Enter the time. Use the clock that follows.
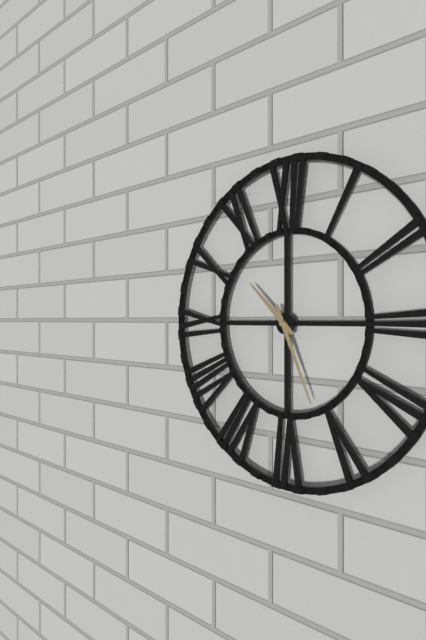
10:26
